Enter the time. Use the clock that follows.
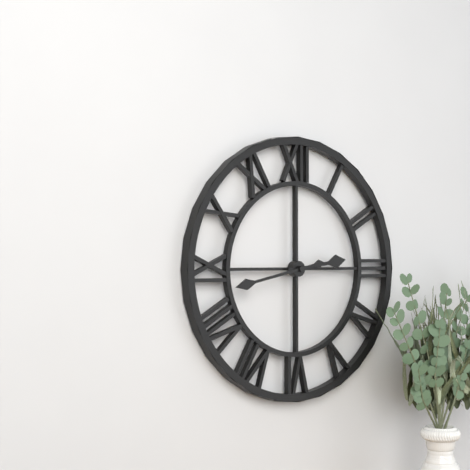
2:43
